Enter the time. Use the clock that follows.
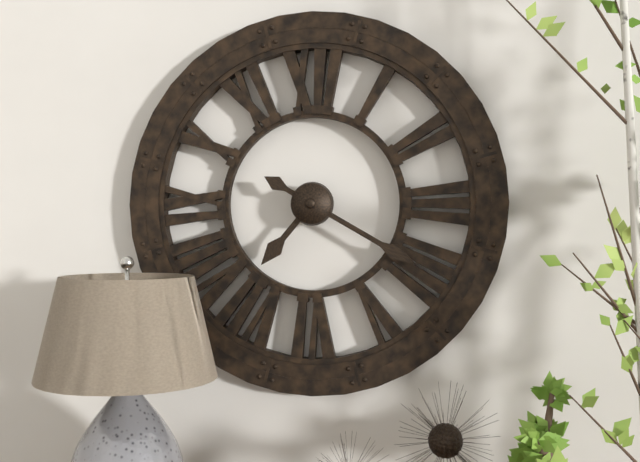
7:20
